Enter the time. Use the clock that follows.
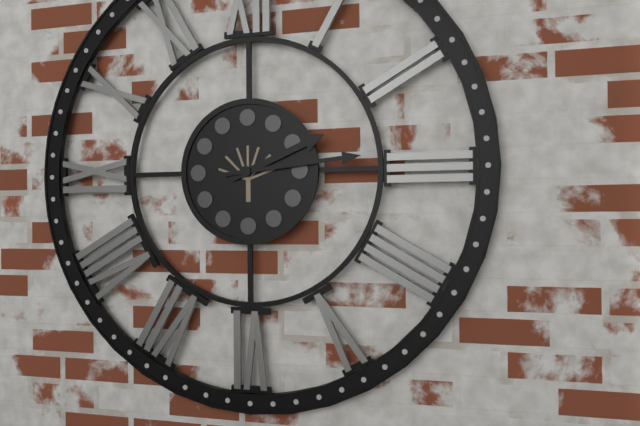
2:14
